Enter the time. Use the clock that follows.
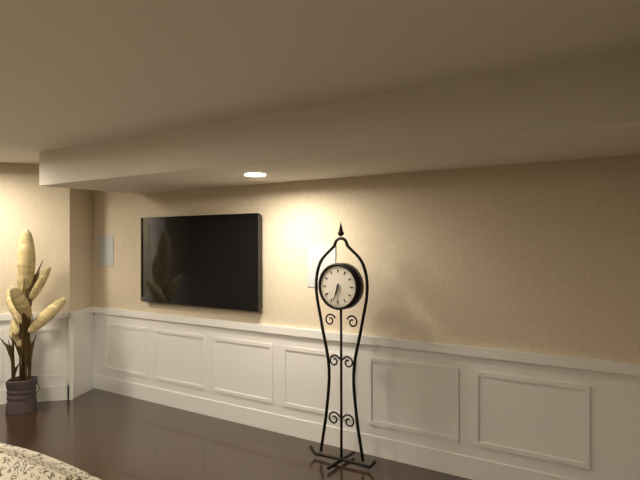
6:33
